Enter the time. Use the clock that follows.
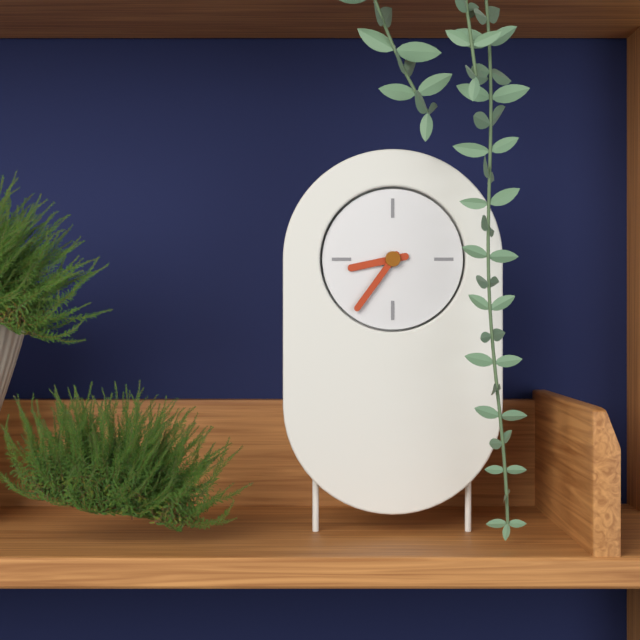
8:36
